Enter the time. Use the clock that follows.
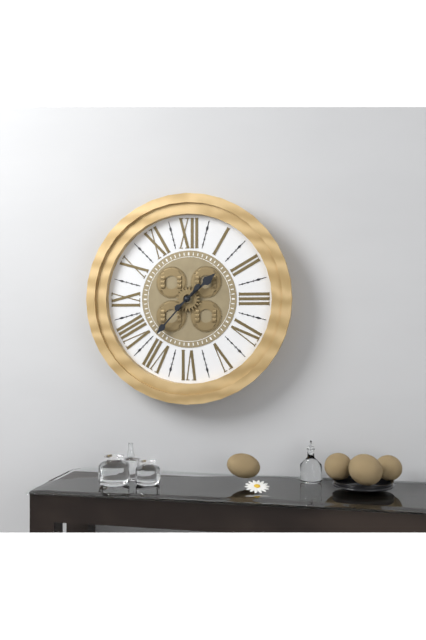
1:37
